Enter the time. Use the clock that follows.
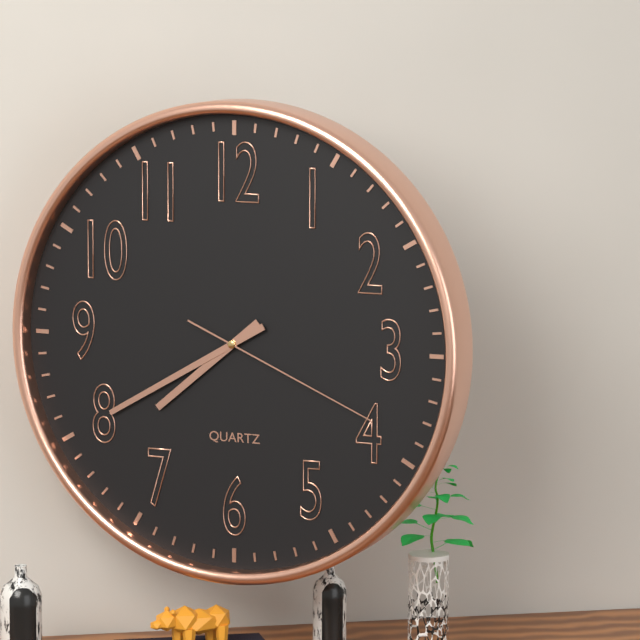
7:40:19
